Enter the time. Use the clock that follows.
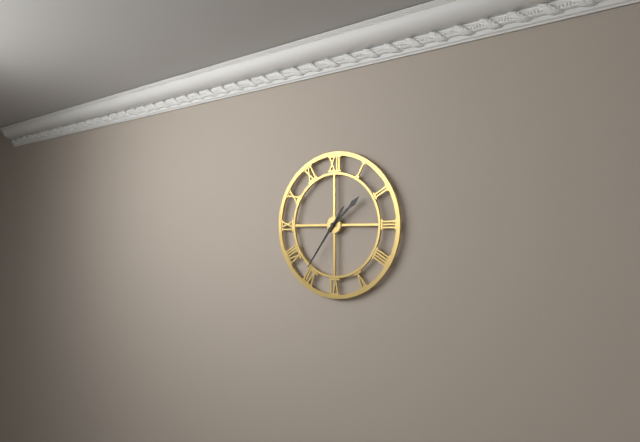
1:36
